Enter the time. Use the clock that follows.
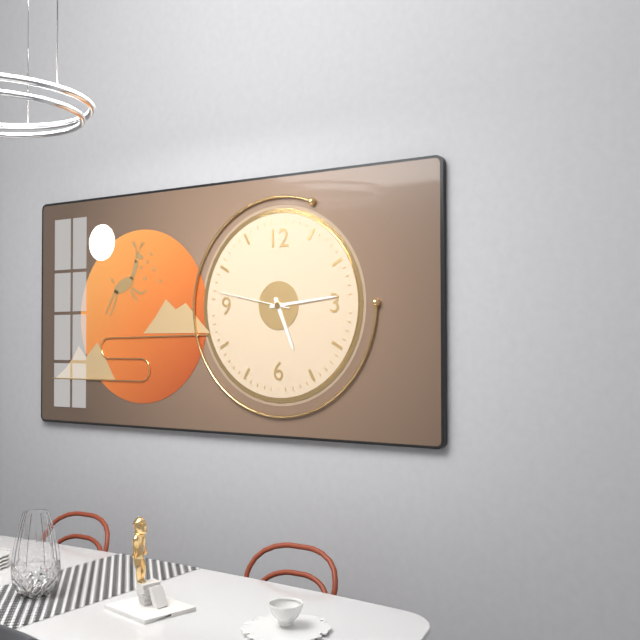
5:14:47
